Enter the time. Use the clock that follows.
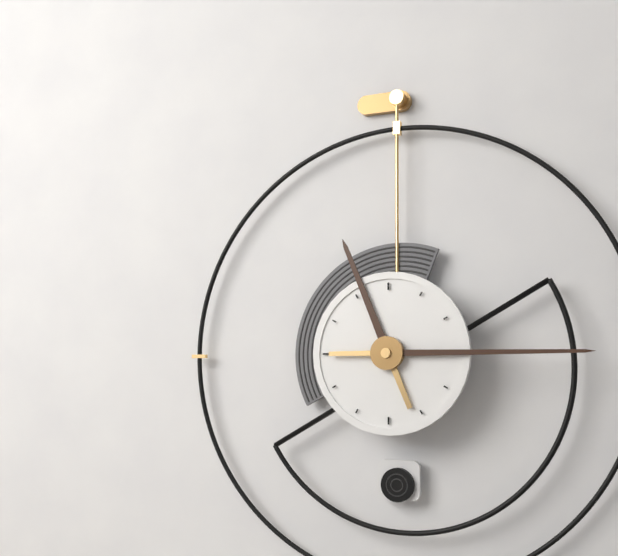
11:15
